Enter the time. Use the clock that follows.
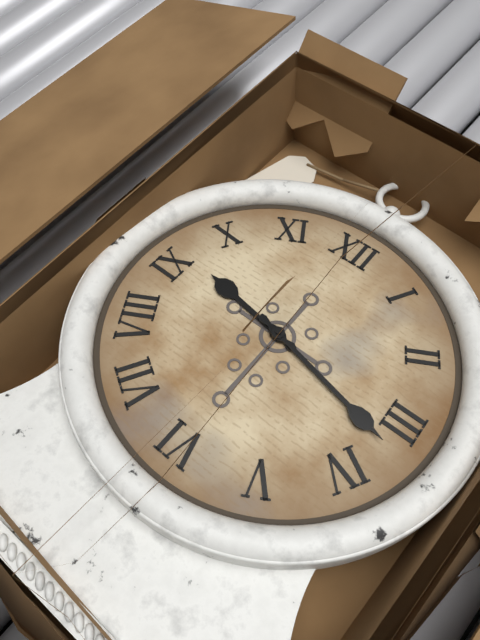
9:17
